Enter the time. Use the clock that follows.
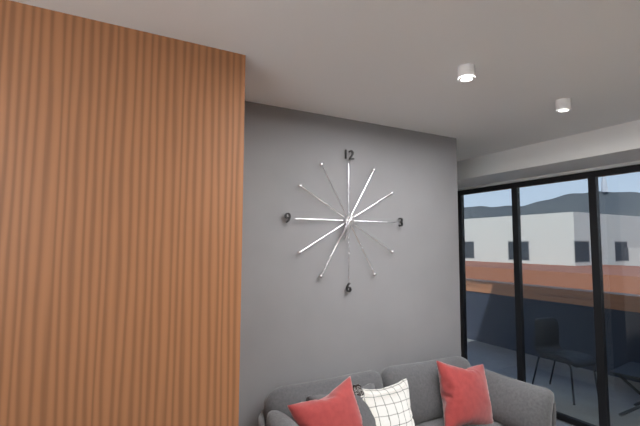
6:36
